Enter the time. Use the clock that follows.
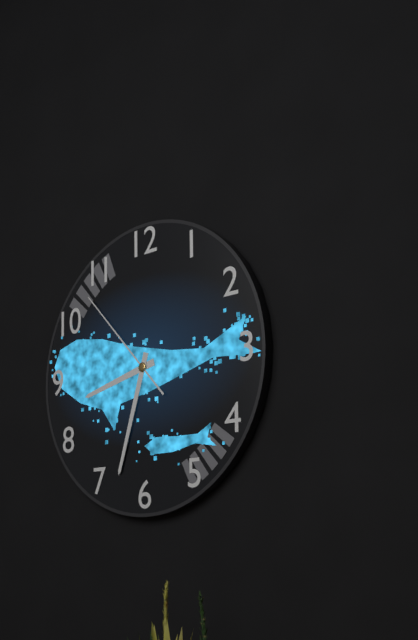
8:33:53
